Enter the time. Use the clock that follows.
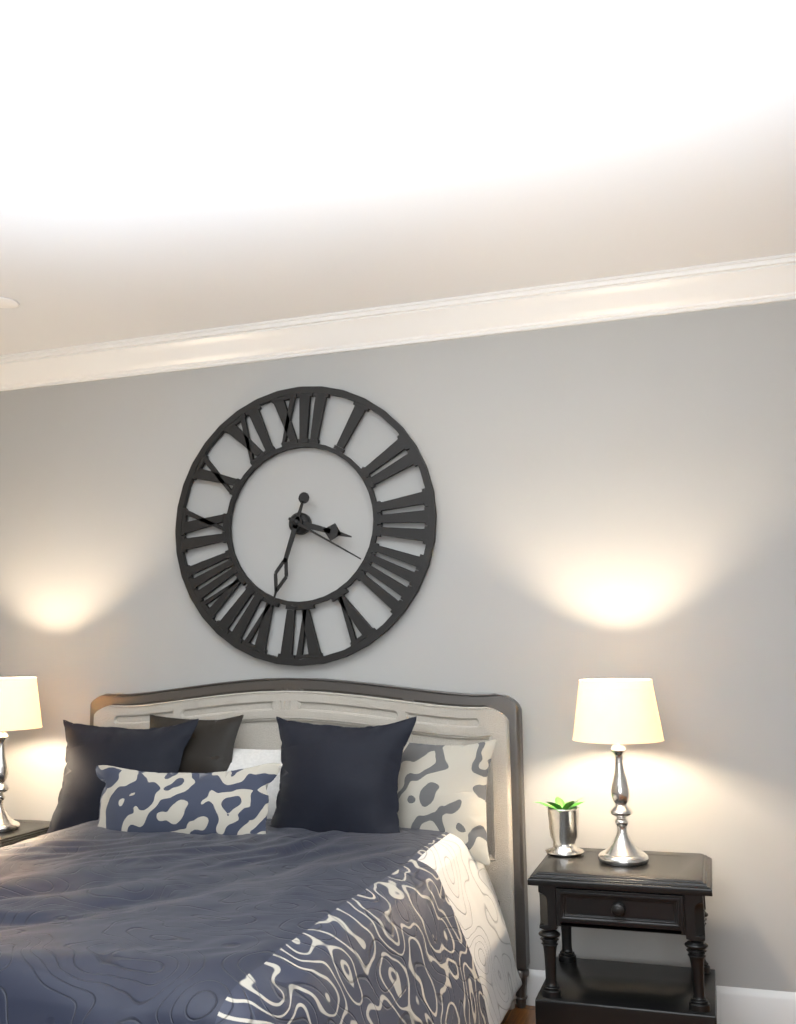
3:33:20
